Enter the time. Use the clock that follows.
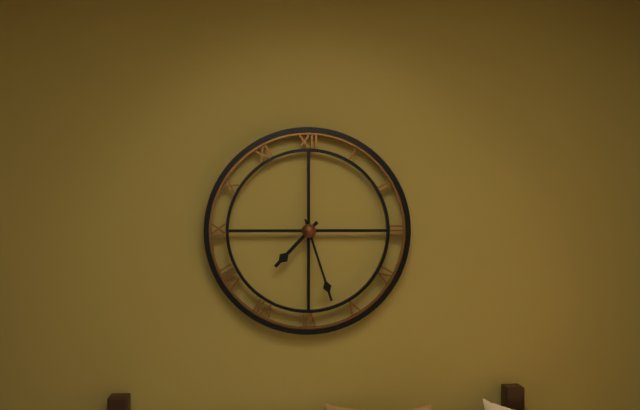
7:27
